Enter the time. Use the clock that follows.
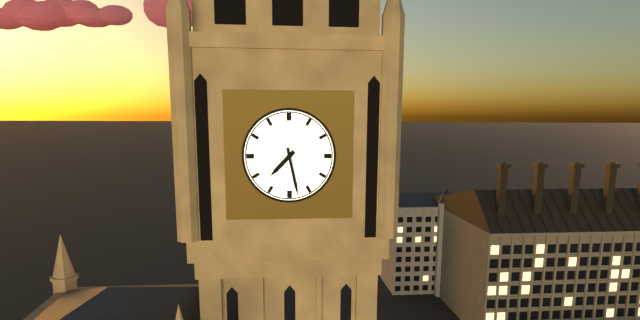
7:28
